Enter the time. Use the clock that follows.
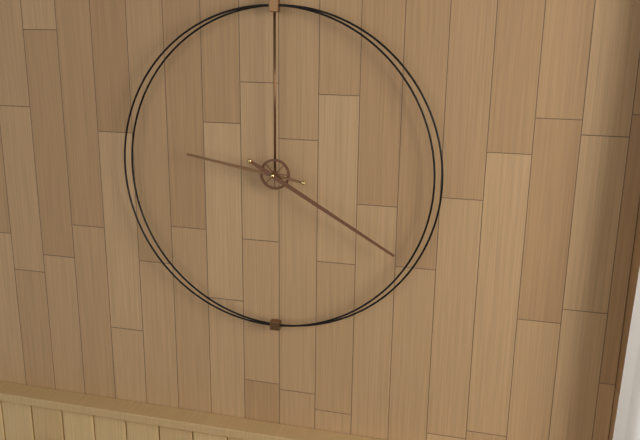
9:20
